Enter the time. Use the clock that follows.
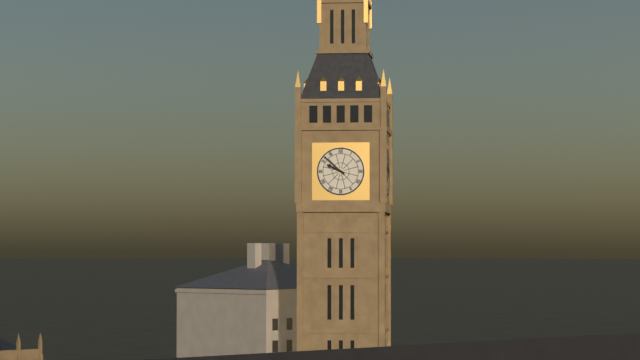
9:52
